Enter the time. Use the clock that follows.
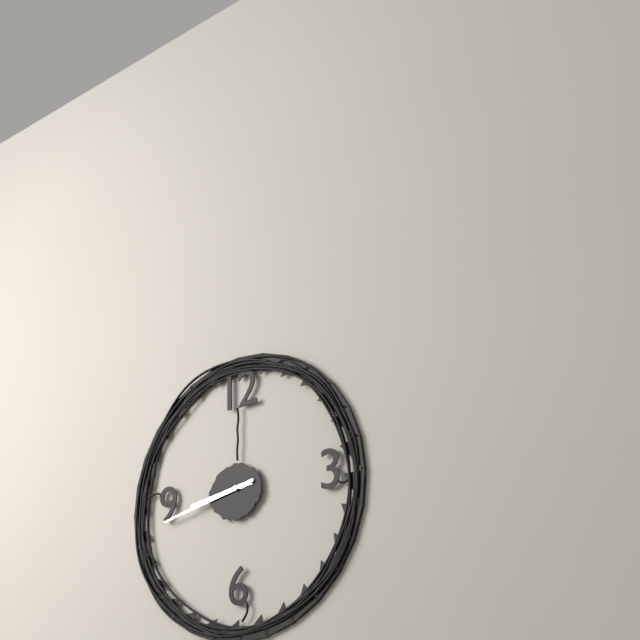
8:43
